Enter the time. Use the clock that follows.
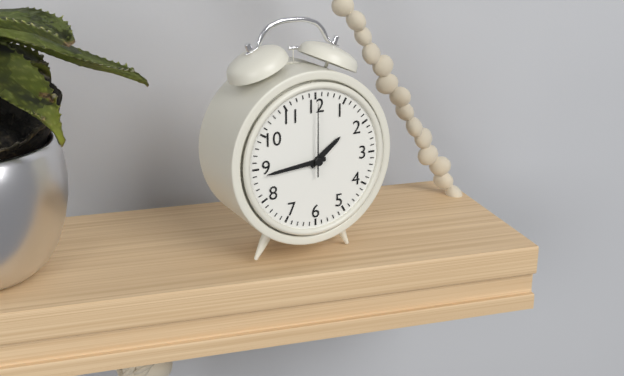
1:44:00
